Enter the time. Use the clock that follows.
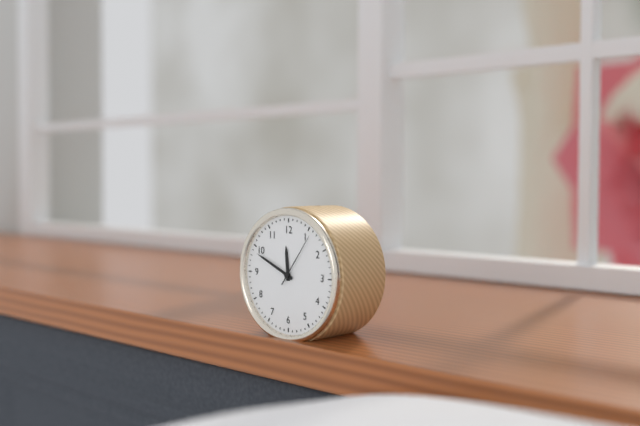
11:49:06
